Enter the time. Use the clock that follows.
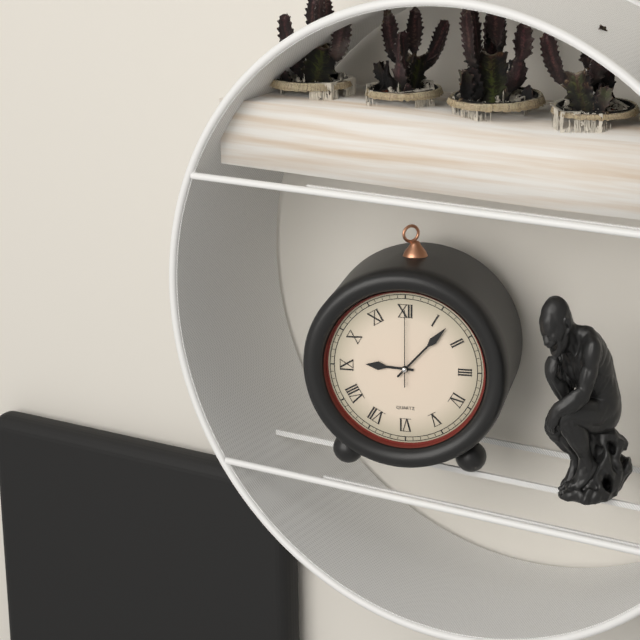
9:07:00
